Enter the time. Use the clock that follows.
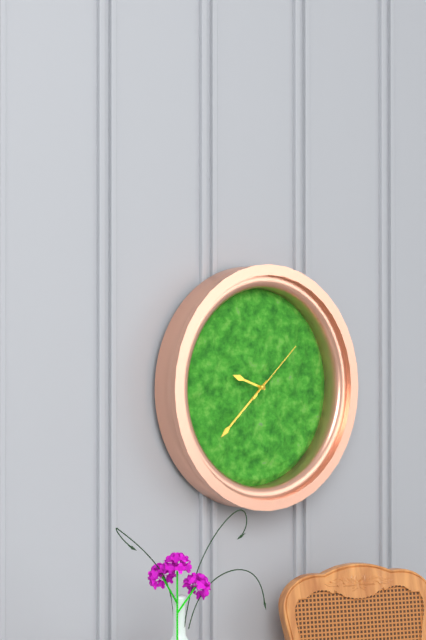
9:38:08
